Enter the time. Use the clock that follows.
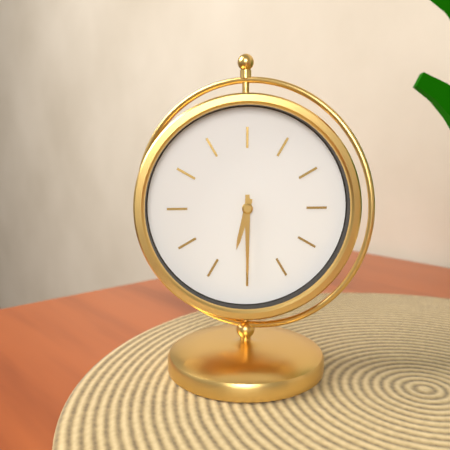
6:30
